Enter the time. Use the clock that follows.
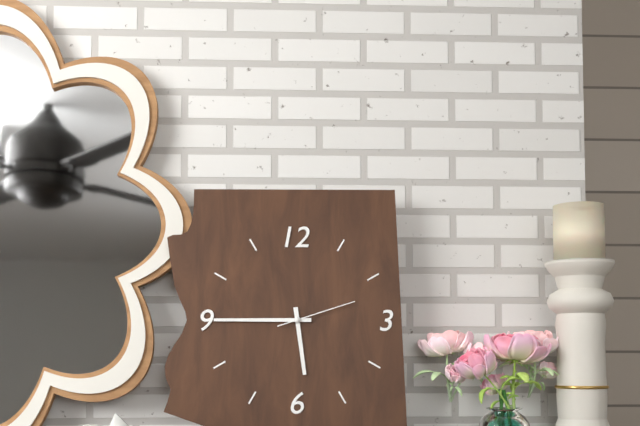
5:45:12
